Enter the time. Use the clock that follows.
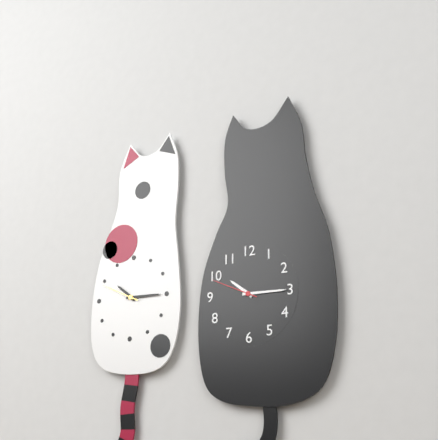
10:15:49
